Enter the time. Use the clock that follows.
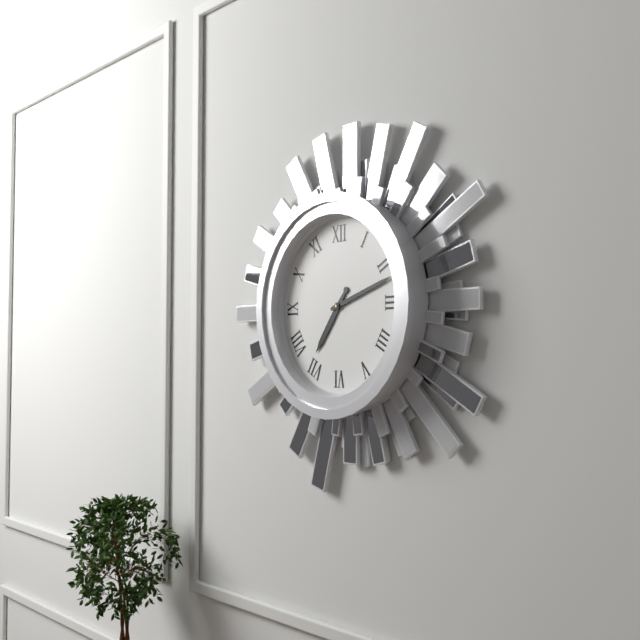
7:12
